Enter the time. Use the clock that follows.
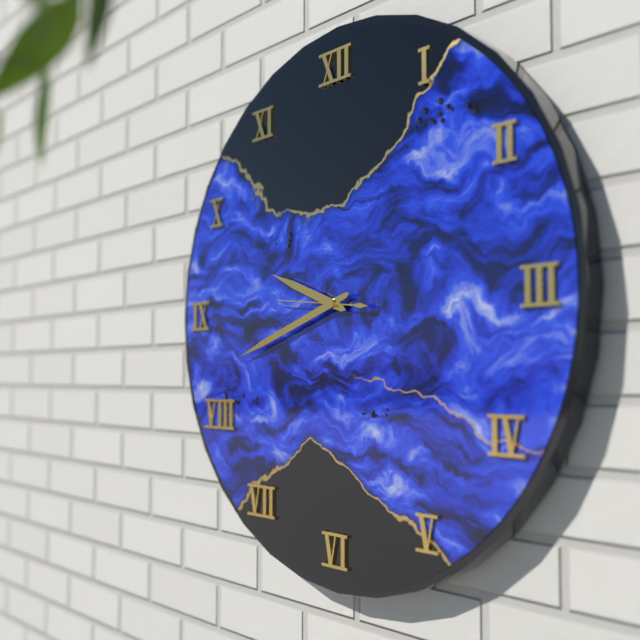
9:42:46
